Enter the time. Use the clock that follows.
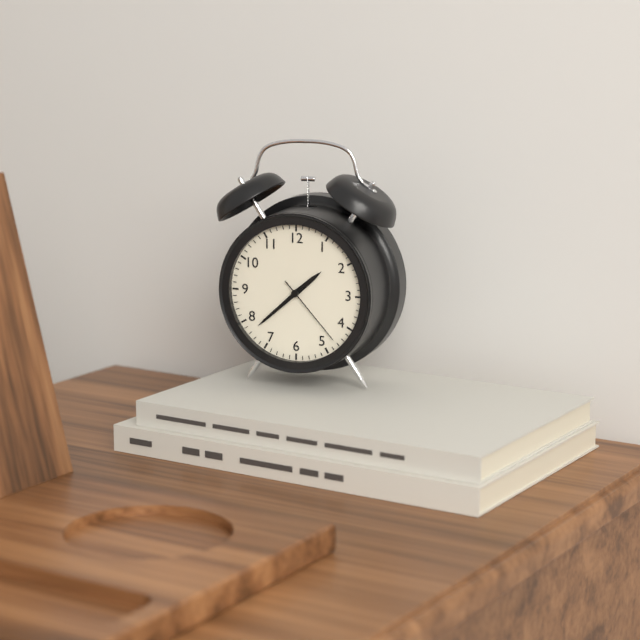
1:38:23
